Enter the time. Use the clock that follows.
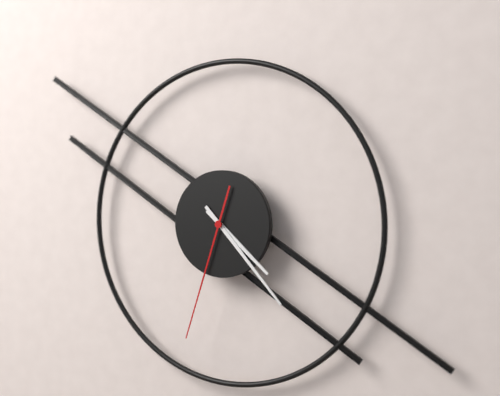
4:23:33
